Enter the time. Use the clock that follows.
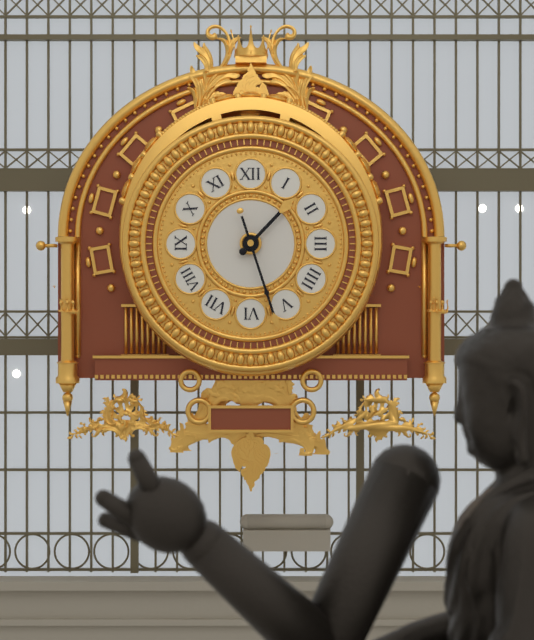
1:27
